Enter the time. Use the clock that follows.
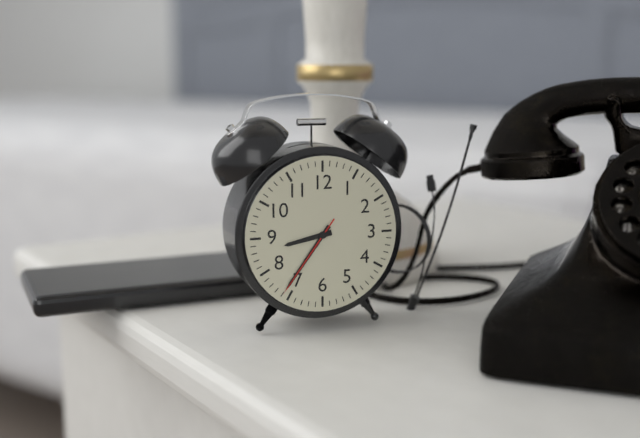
8:36:36
